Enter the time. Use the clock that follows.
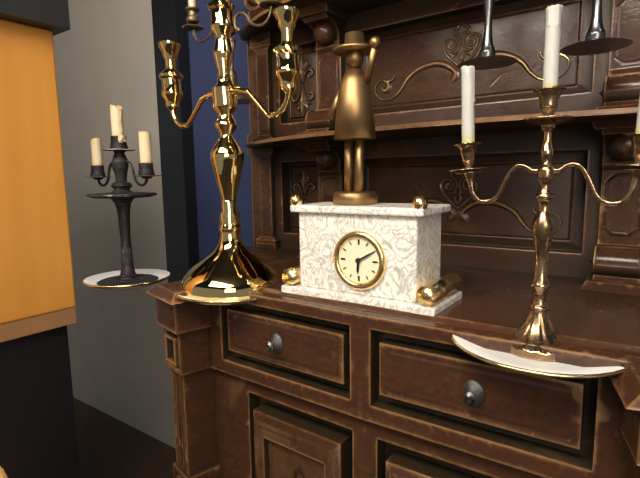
6:10
